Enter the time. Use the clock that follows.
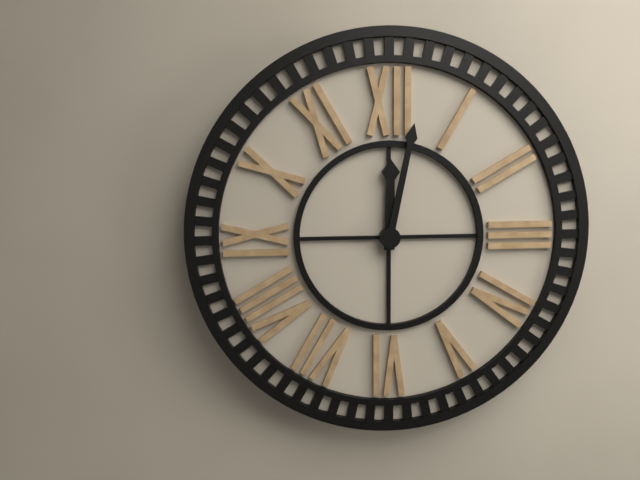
12:02
